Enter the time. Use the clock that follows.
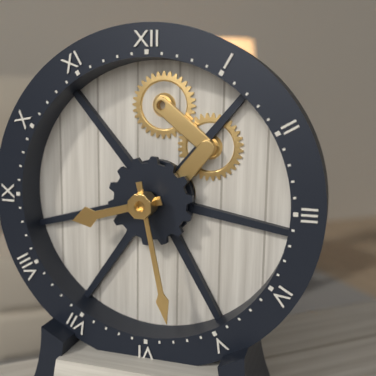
8:28
